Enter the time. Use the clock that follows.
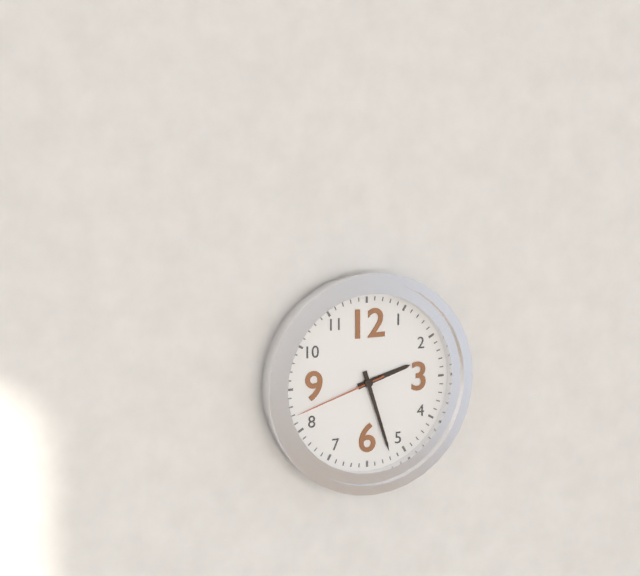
2:27:42
